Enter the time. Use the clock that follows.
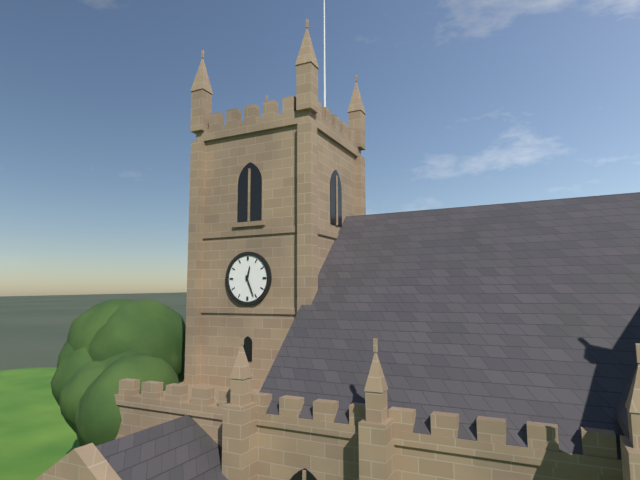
12:26
